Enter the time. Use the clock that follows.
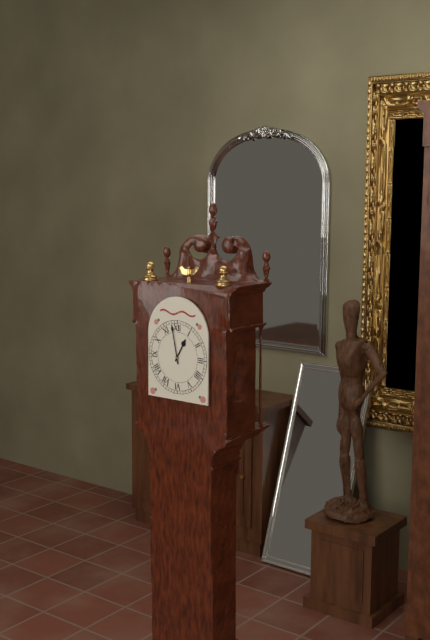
12:58
